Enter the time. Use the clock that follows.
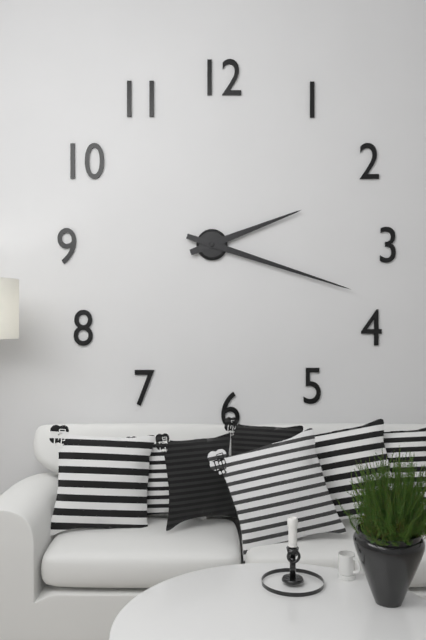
2:18
